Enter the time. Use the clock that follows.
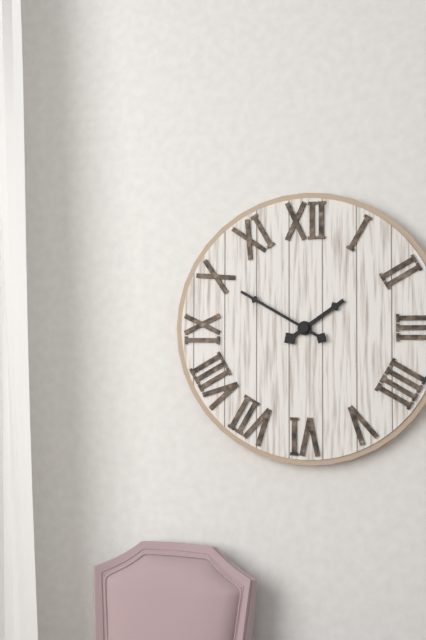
1:50
